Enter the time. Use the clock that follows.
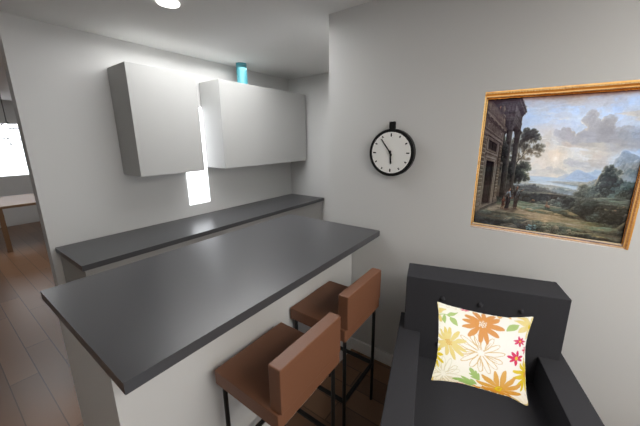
5:54
